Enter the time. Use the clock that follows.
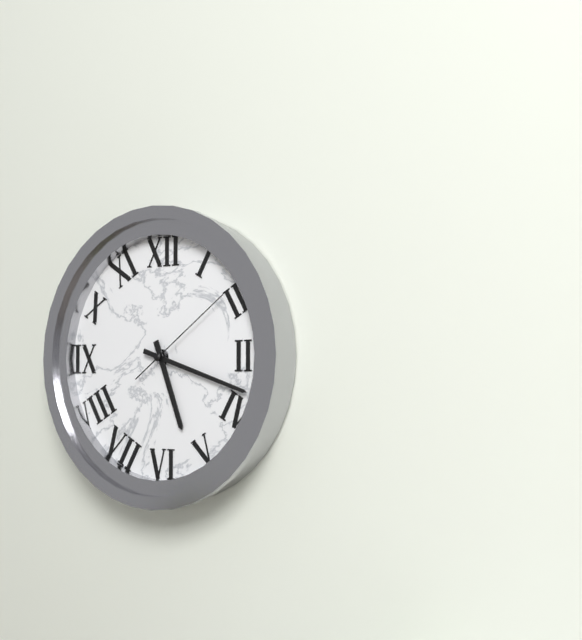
5:18:09
